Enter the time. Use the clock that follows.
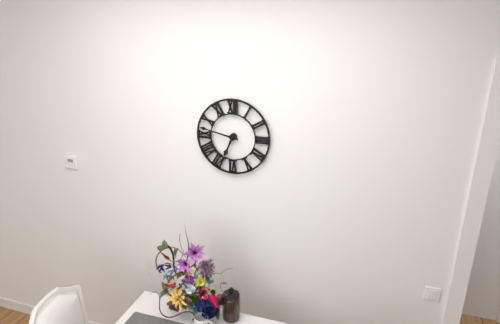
6:47
